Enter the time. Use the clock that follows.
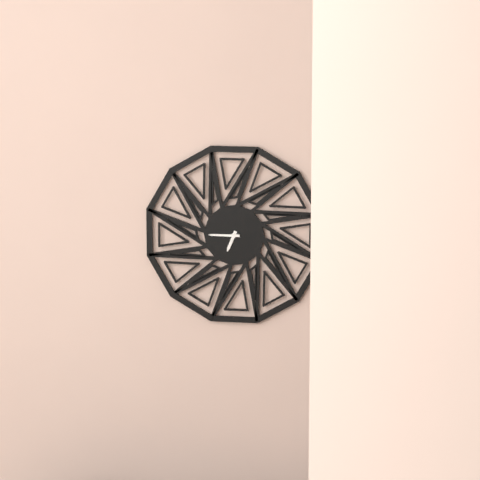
6:45
